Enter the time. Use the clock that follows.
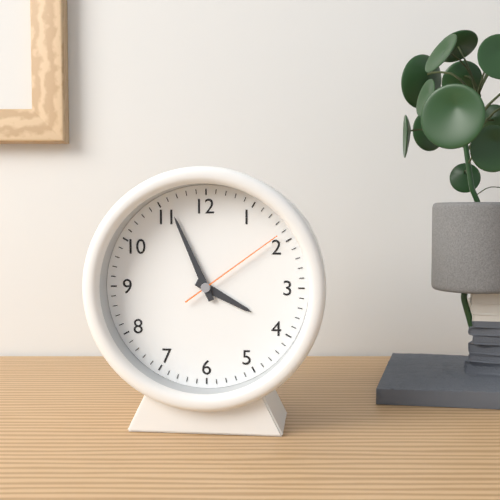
3:56:09
